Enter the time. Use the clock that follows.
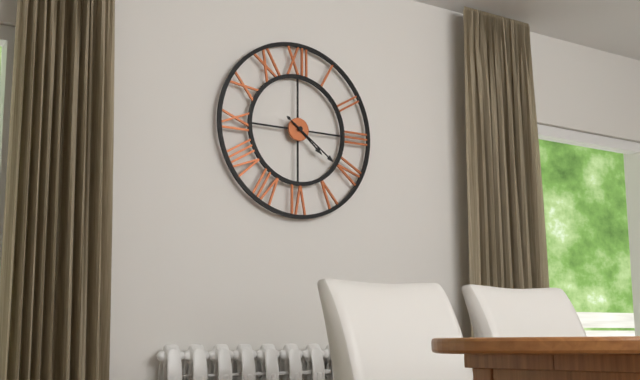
4:21
